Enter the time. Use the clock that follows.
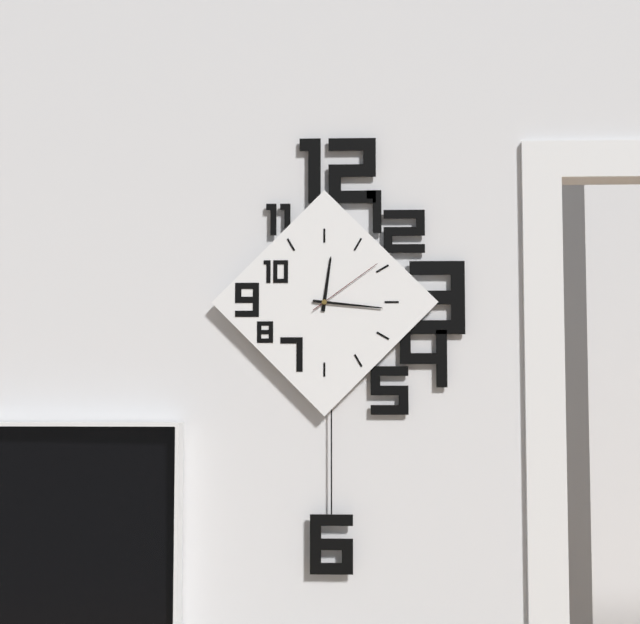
12:16:09
